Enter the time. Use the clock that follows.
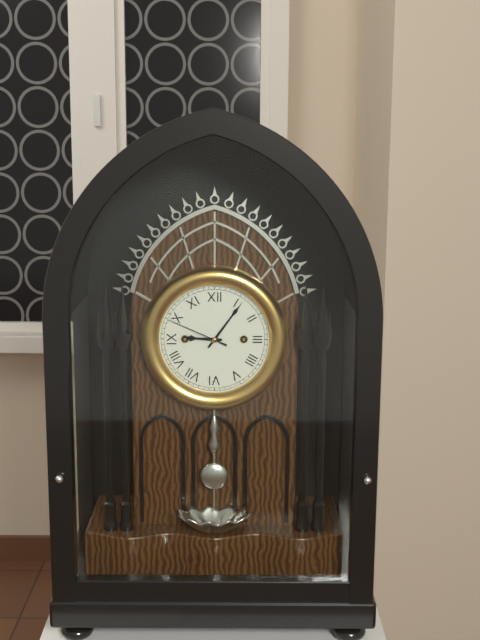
9:06:49
